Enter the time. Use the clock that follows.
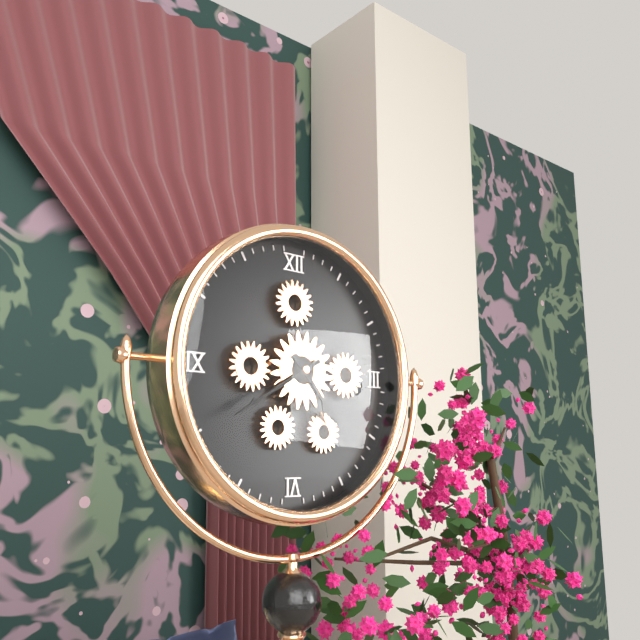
4:40
